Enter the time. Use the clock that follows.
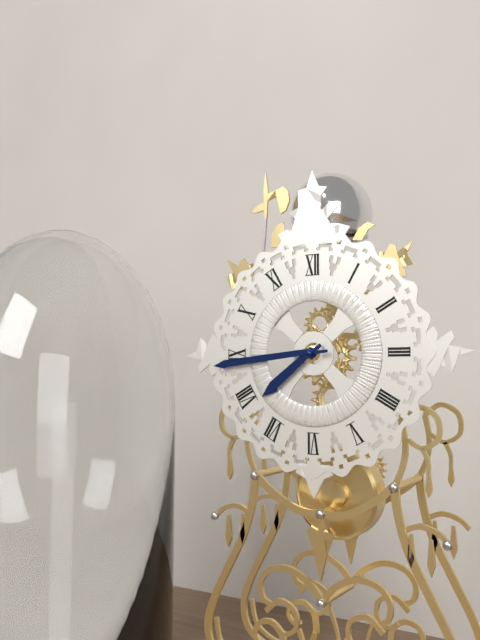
7:44
